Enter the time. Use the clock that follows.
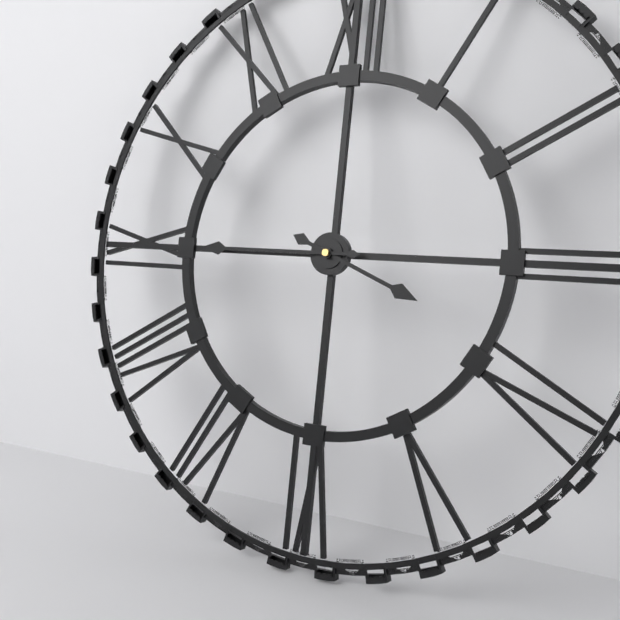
3:45
